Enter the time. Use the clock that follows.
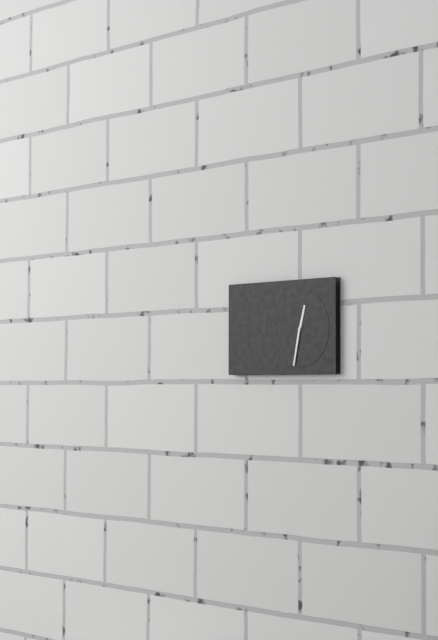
12:32
